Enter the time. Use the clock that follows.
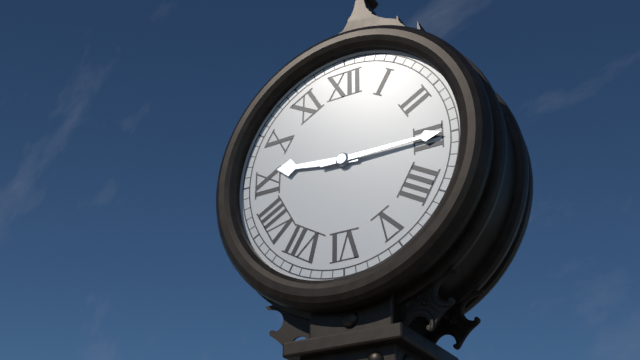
9:15
